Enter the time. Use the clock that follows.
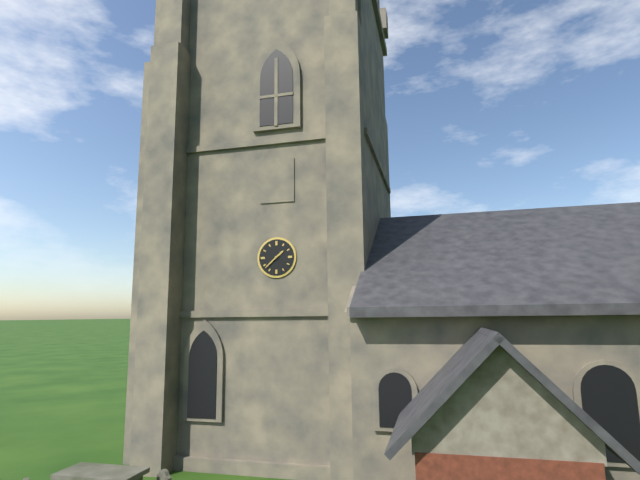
1:38
